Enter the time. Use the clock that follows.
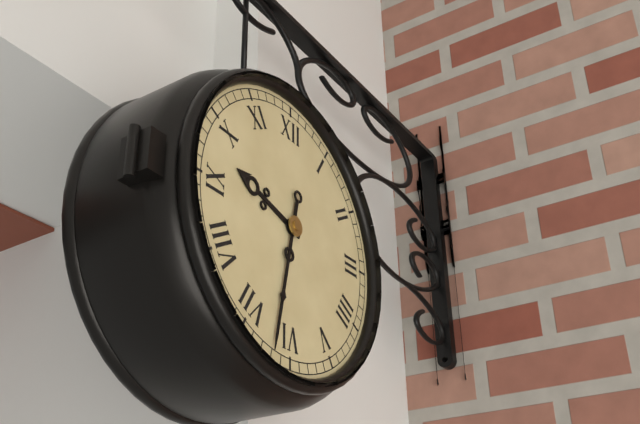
9:32
